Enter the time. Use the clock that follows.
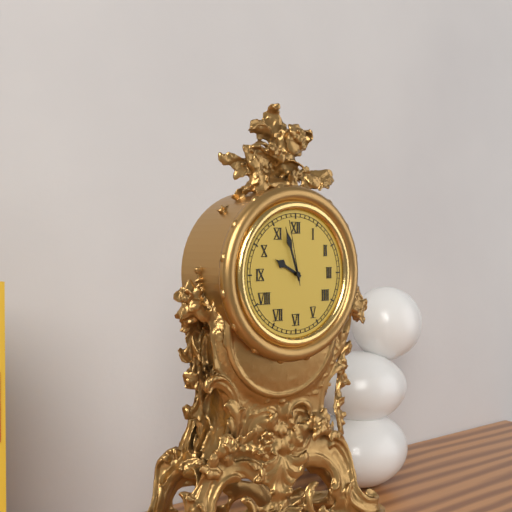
9:57:58
